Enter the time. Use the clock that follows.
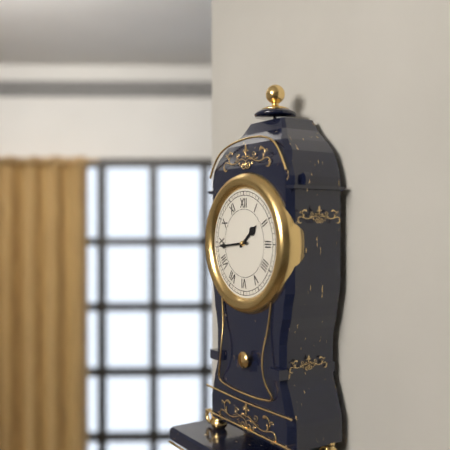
1:44
